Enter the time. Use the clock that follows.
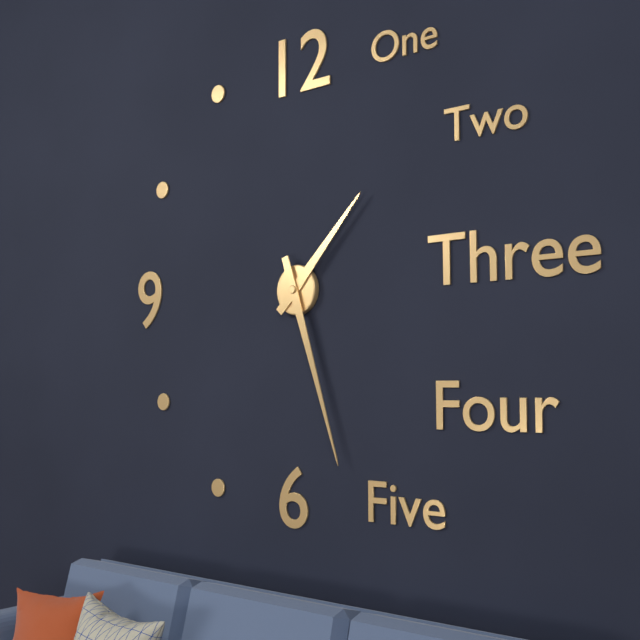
1:27
